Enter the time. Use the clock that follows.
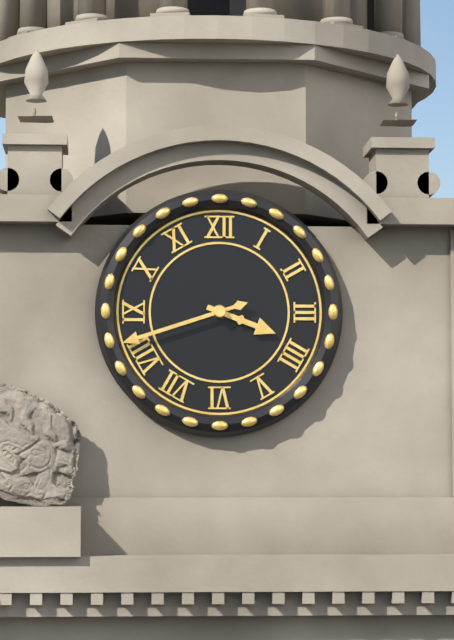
3:42
